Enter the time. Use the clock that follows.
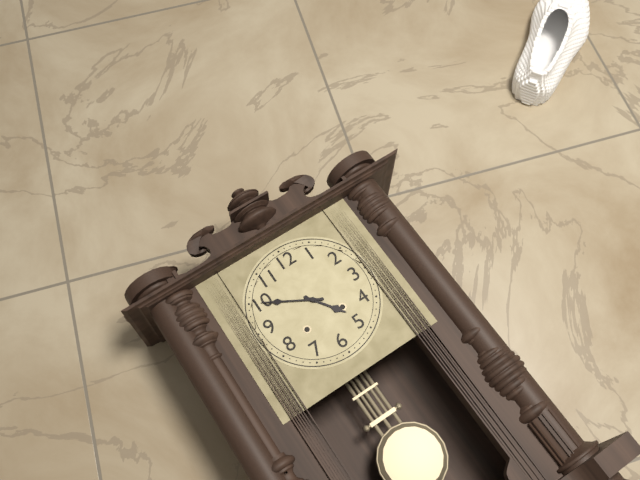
4:50
